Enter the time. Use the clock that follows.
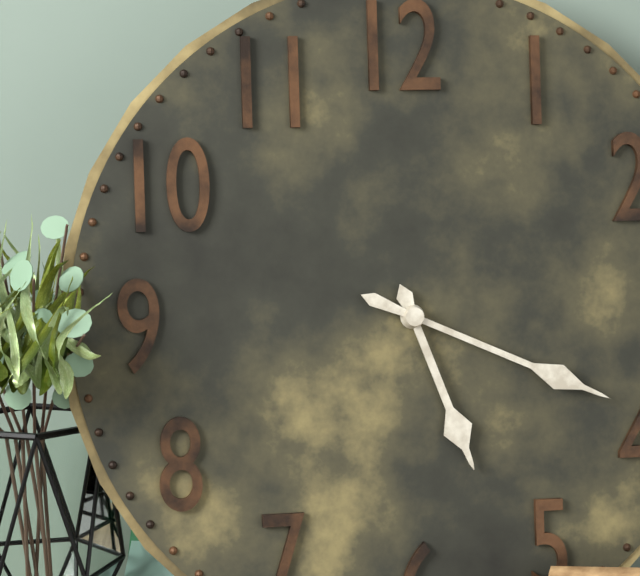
5:19
